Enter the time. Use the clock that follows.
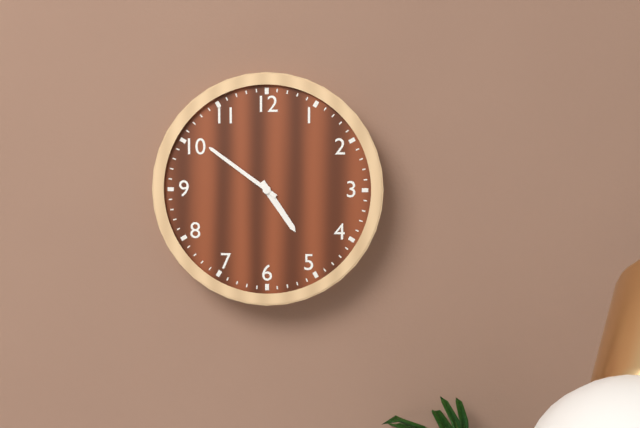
4:51
